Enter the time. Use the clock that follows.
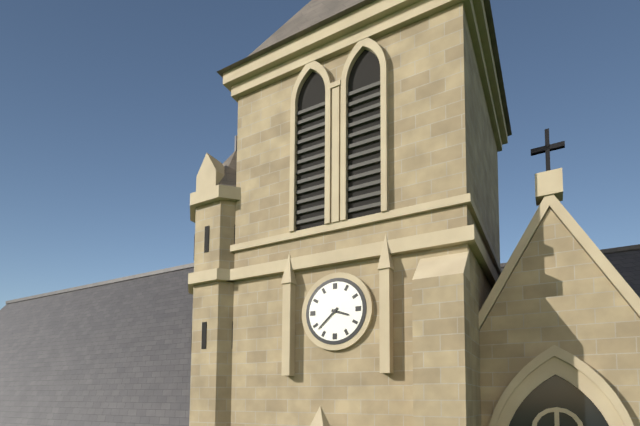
3:38
